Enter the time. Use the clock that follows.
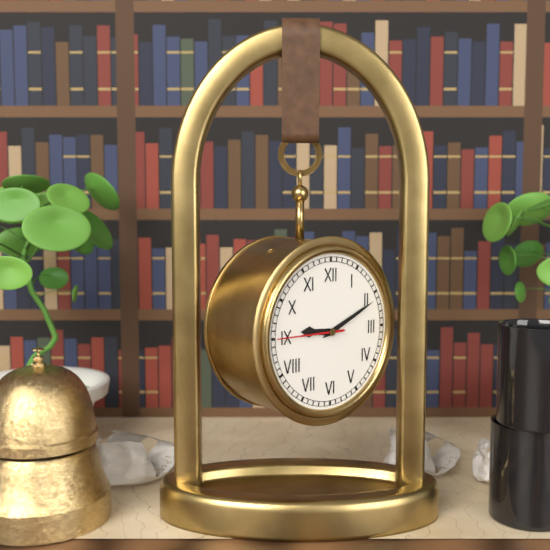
9:11:45
